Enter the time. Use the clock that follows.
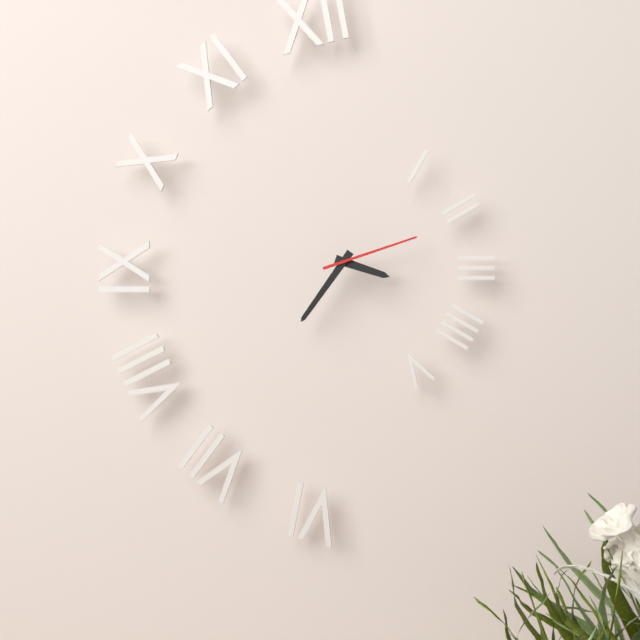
3:36:12
